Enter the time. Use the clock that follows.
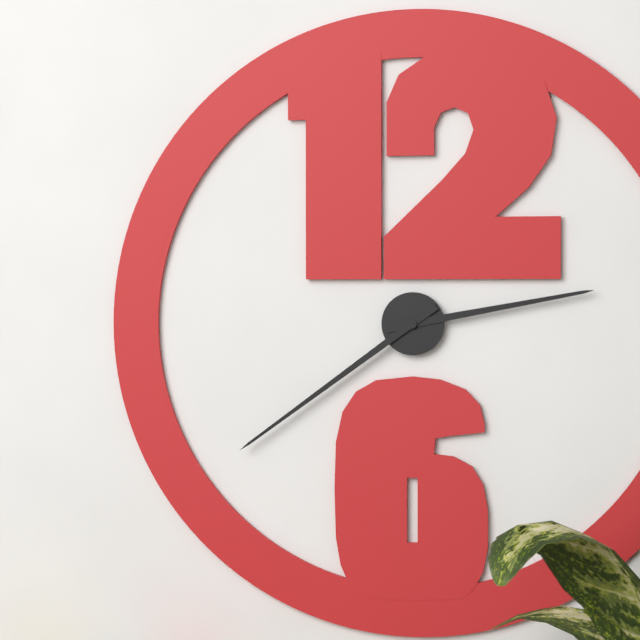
2:39
